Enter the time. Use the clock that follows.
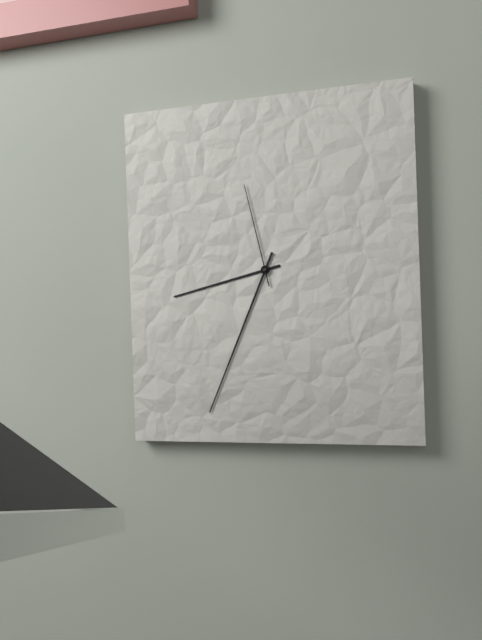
8:34:58
